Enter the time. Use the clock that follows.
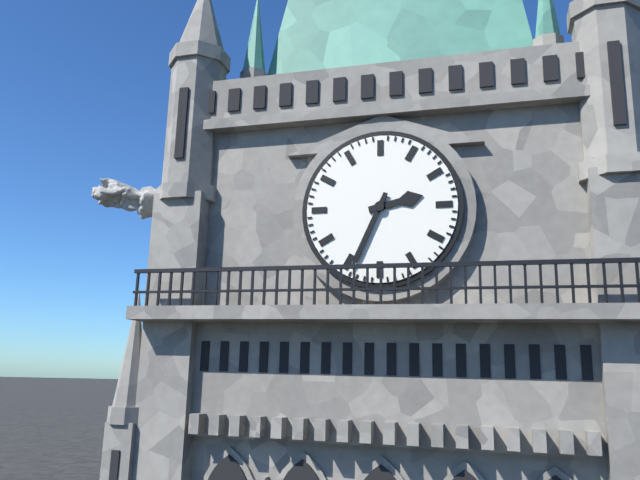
2:34
